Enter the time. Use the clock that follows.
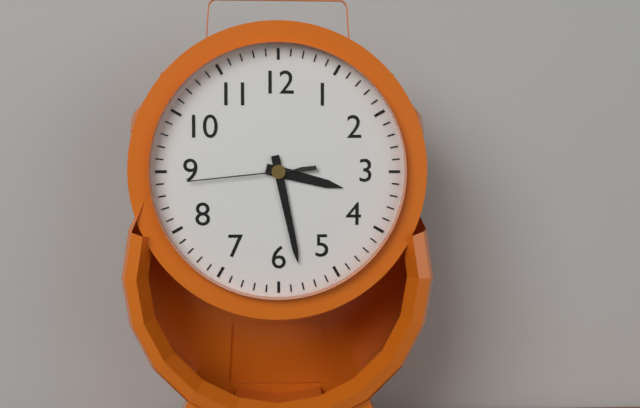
3:28:44
